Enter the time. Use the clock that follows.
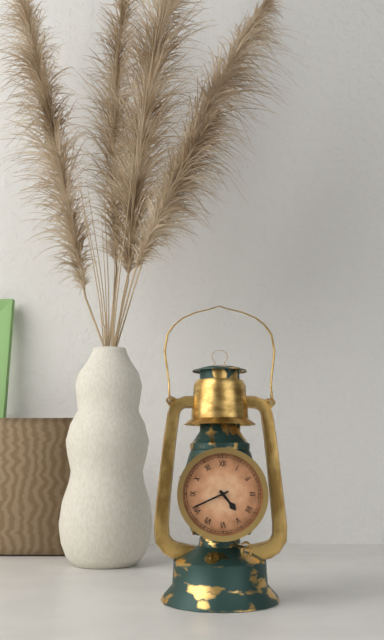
4:41
